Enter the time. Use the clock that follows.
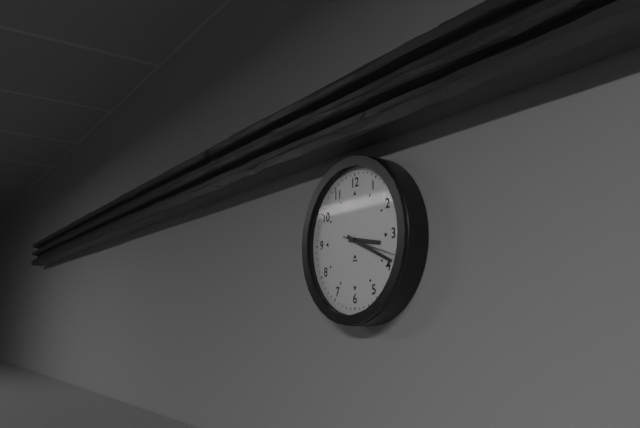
3:19:18
